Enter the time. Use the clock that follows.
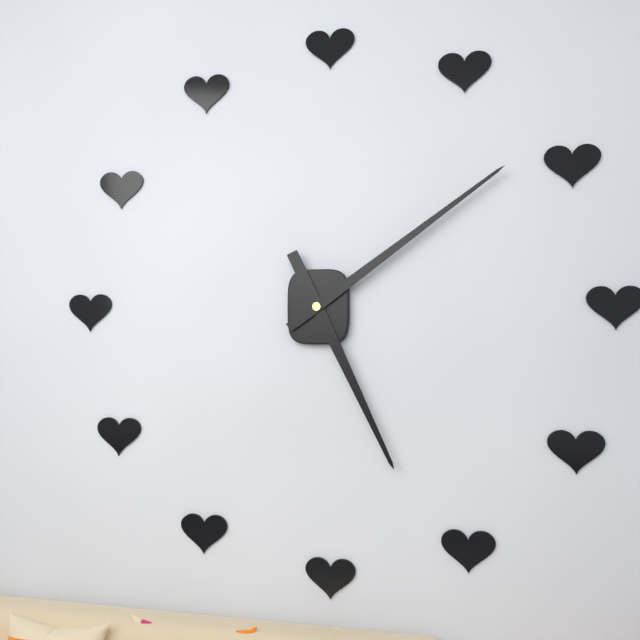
5:09
